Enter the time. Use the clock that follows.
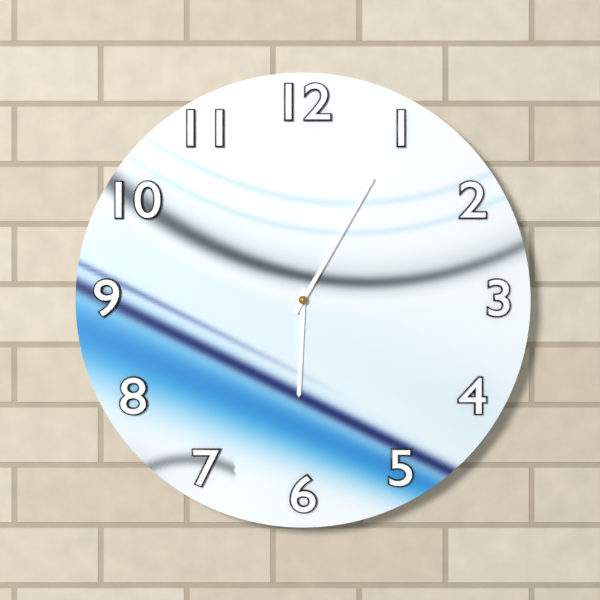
6:05
